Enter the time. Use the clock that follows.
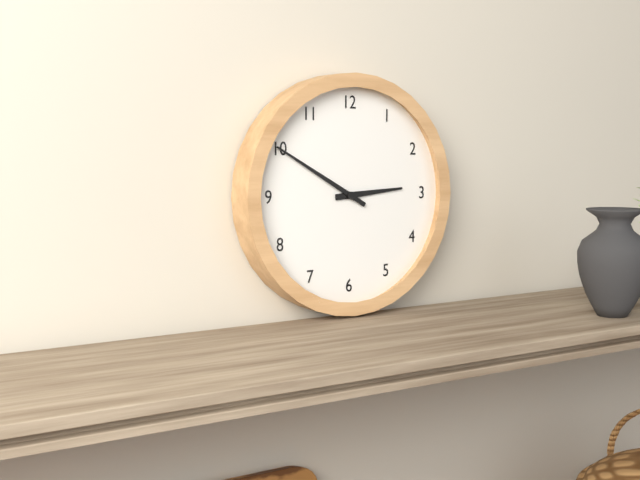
2:50
